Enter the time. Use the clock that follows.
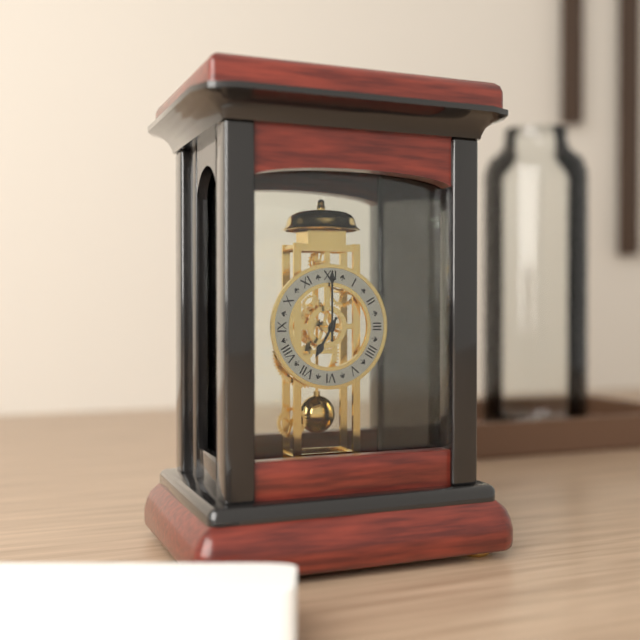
7:00
